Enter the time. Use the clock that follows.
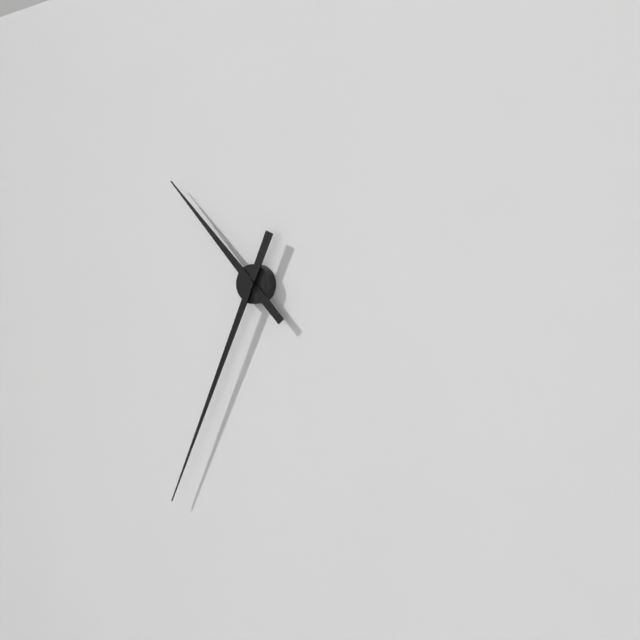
10:34
